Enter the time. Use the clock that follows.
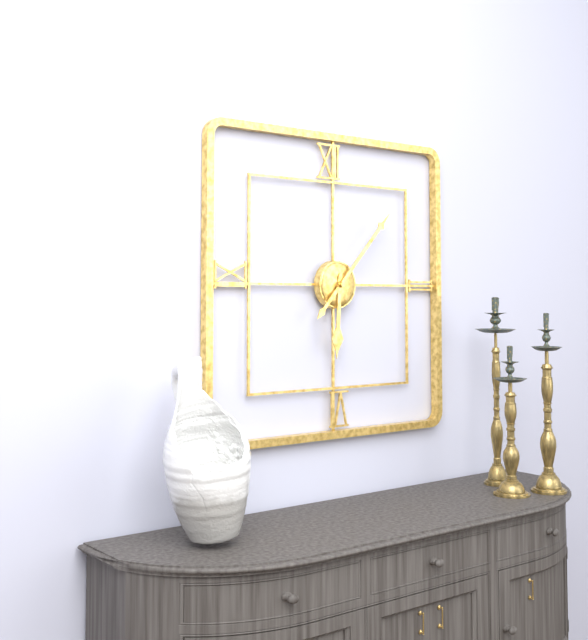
6:07
